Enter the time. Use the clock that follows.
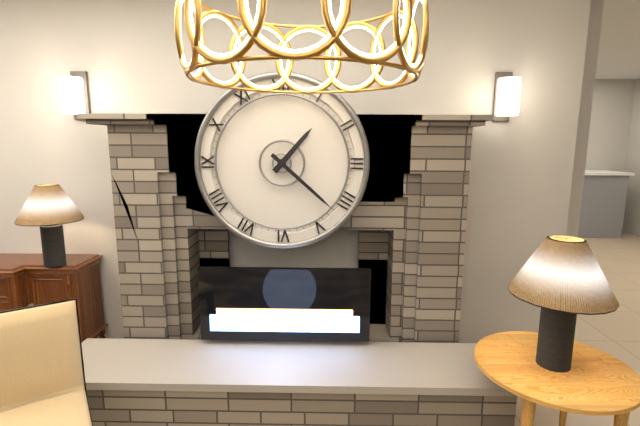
1:22
